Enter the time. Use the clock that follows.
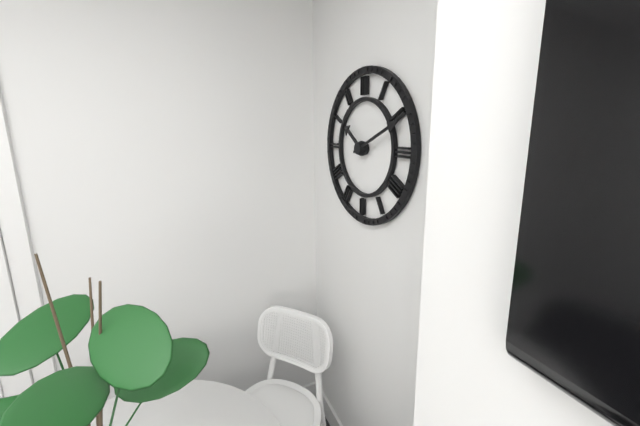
10:11
